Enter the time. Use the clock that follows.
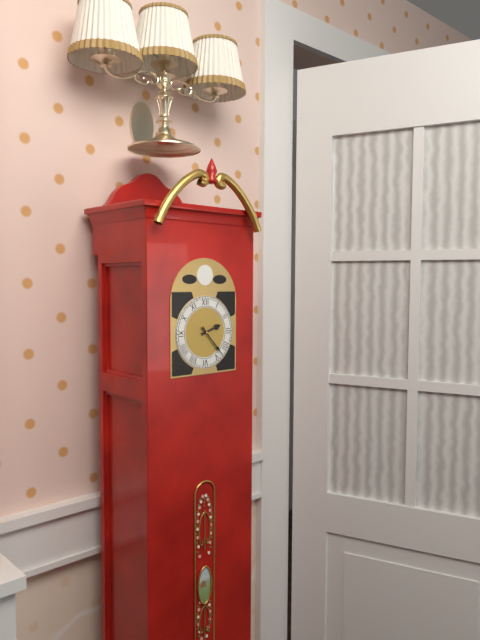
2:23
